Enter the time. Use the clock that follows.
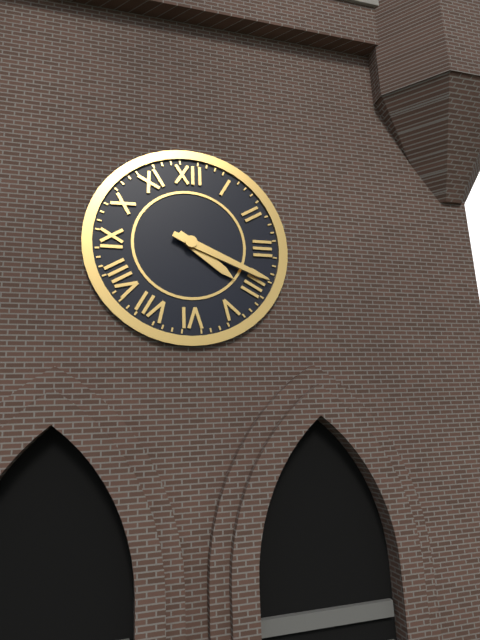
4:19
